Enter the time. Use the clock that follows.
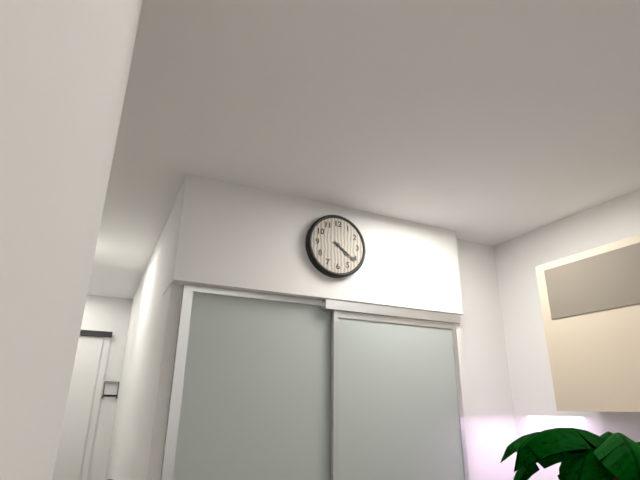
4:21
